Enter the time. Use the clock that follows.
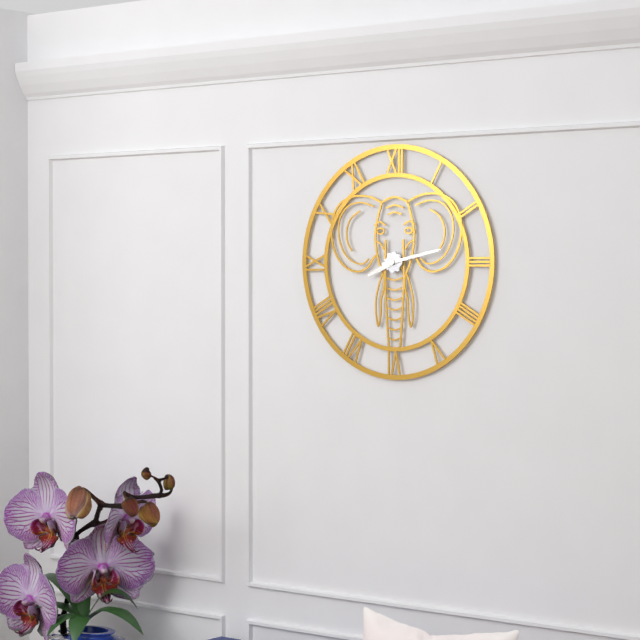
8:13
